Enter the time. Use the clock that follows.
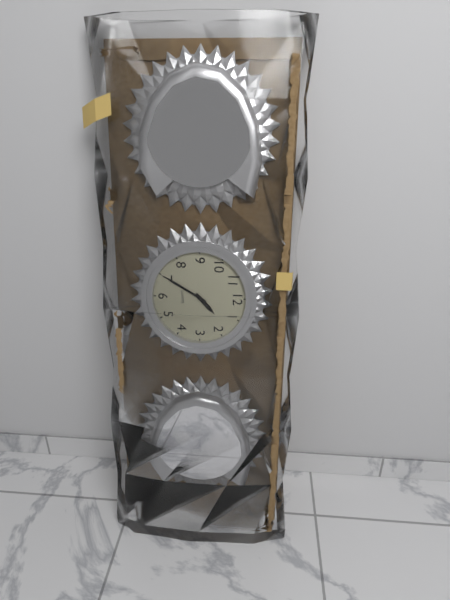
1:35
